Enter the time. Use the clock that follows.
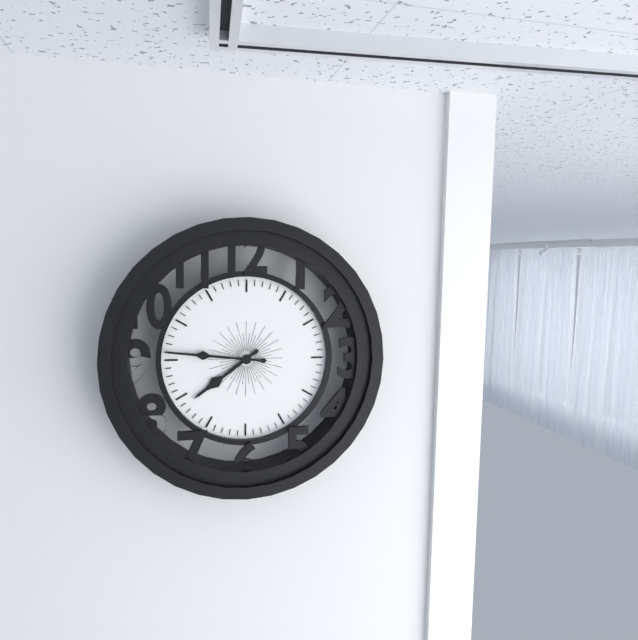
7:46
